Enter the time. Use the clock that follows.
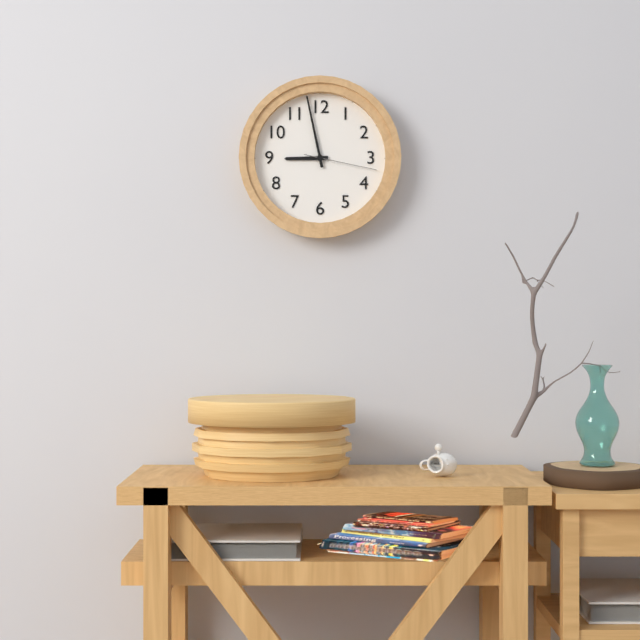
8:58:17
